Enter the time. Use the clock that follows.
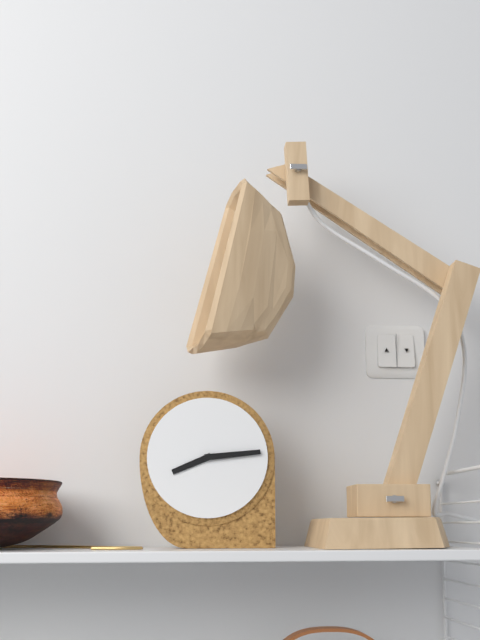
8:14
